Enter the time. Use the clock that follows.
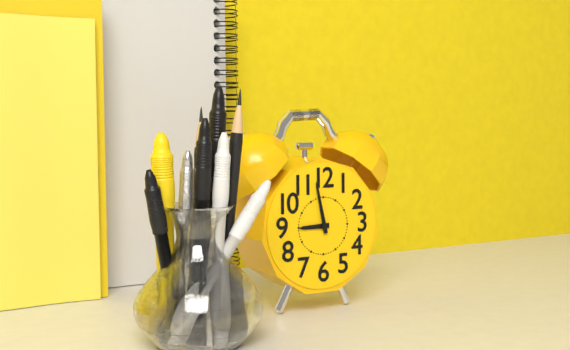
8:58
